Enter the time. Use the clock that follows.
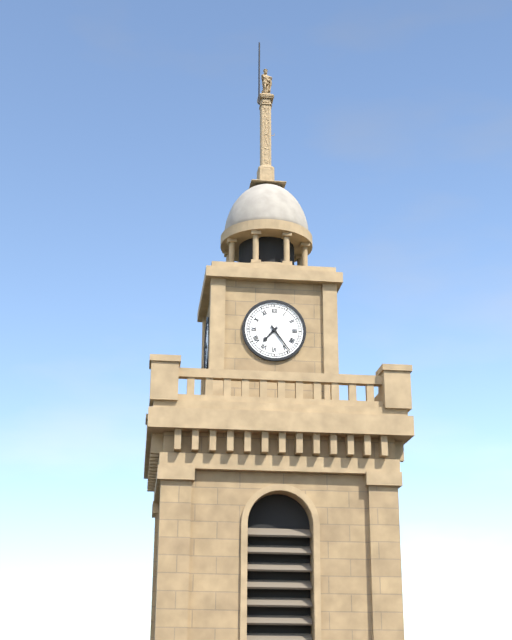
7:24
